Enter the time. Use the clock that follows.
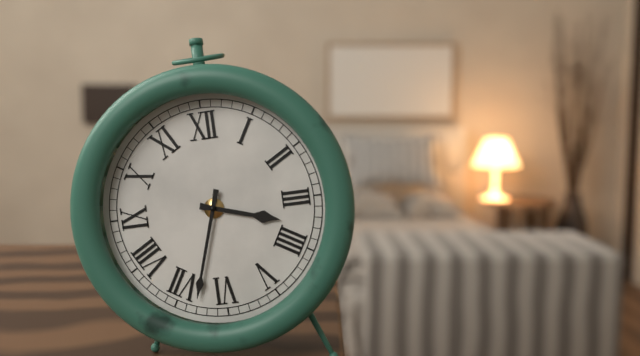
3:33
